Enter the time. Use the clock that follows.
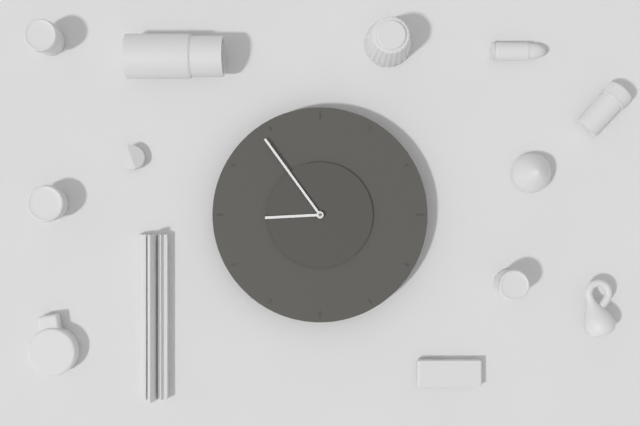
8:54
